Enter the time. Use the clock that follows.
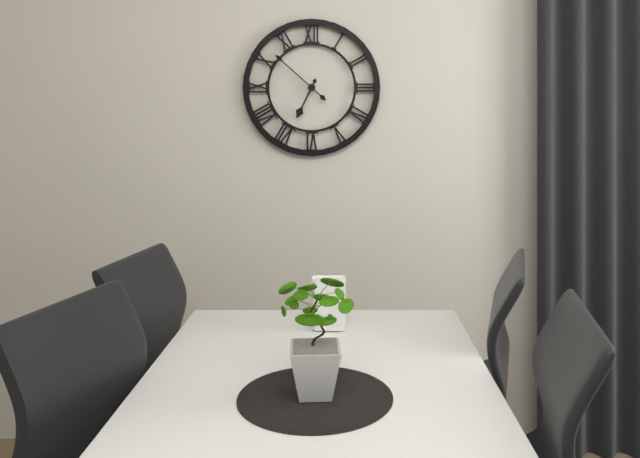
6:52
